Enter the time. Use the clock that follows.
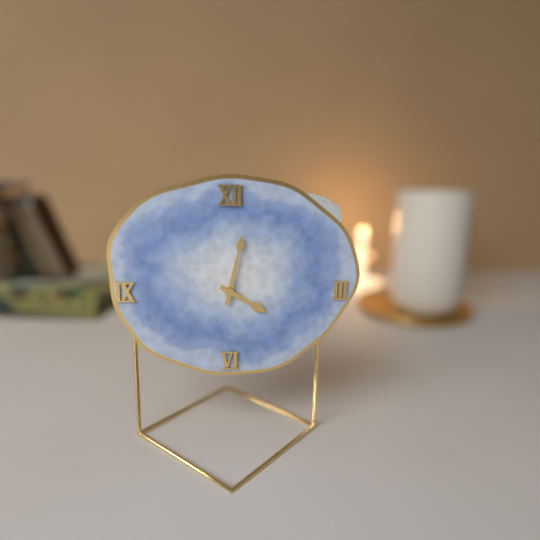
4:02
